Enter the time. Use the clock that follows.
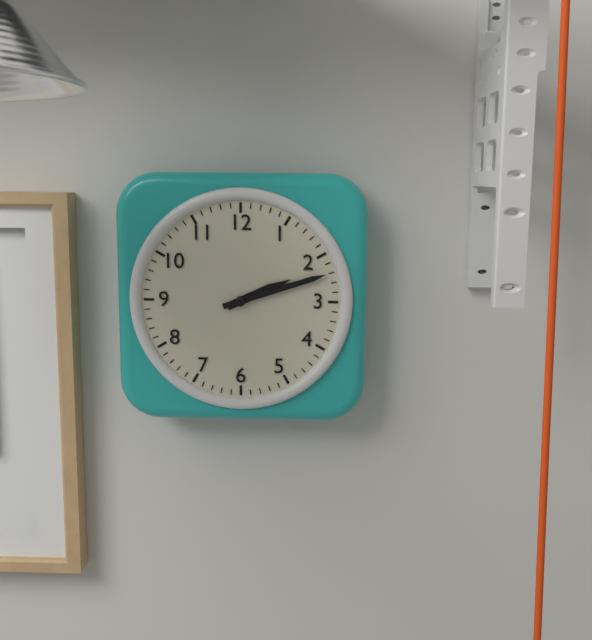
2:12
